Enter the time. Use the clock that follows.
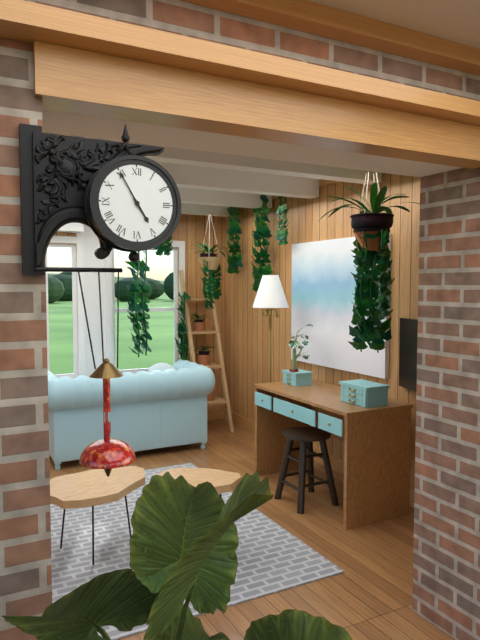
4:55
